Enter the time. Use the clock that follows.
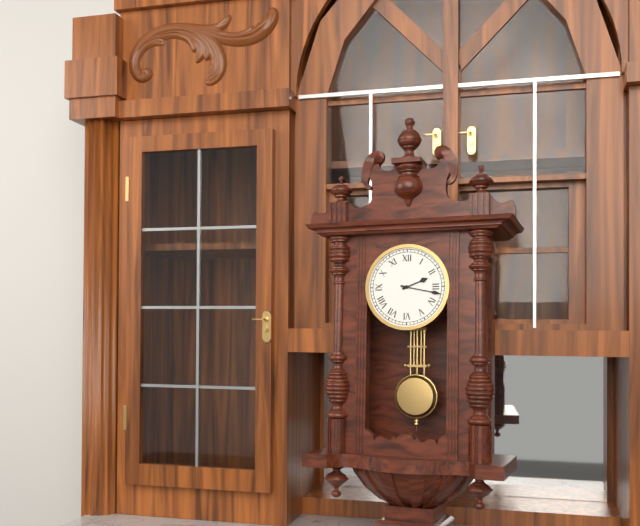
2:17
